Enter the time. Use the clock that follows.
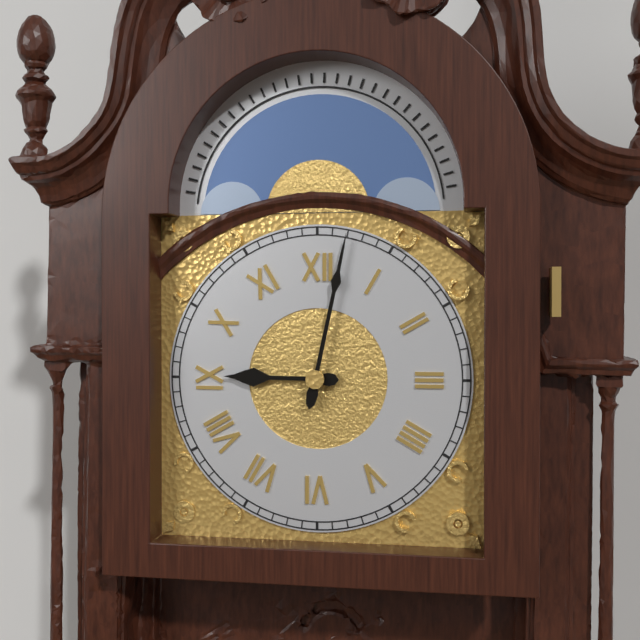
9:02
